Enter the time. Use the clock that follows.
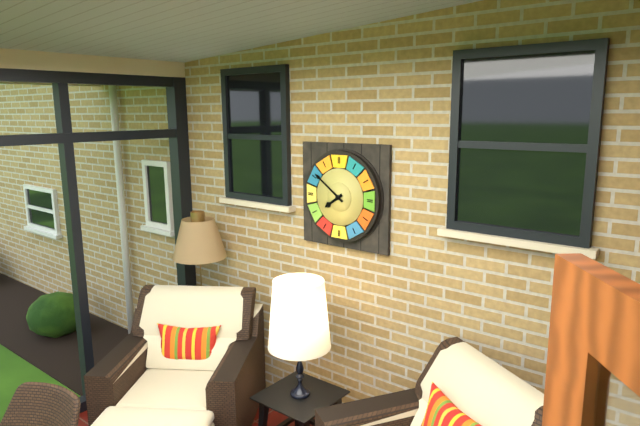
7:51
